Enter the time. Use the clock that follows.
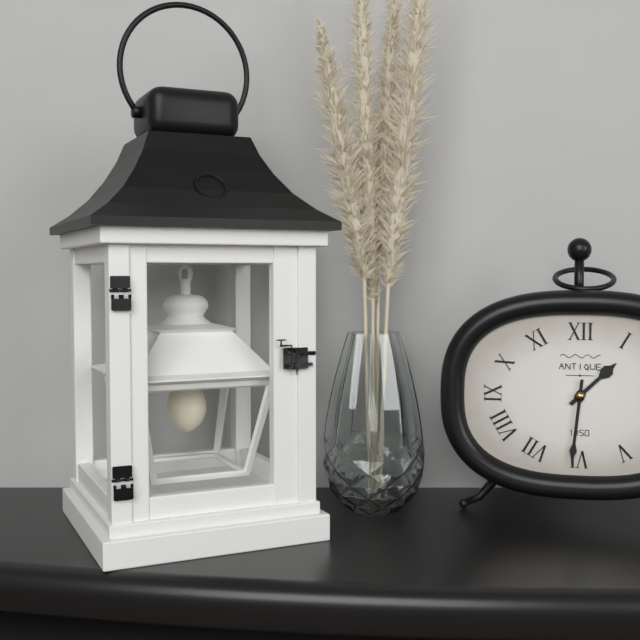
1:31
